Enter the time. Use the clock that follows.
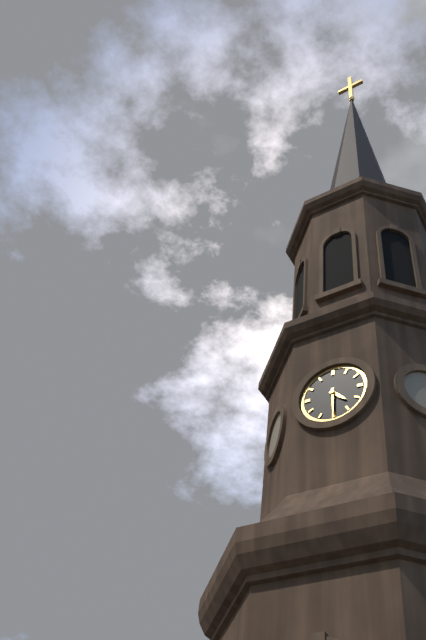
4:30
